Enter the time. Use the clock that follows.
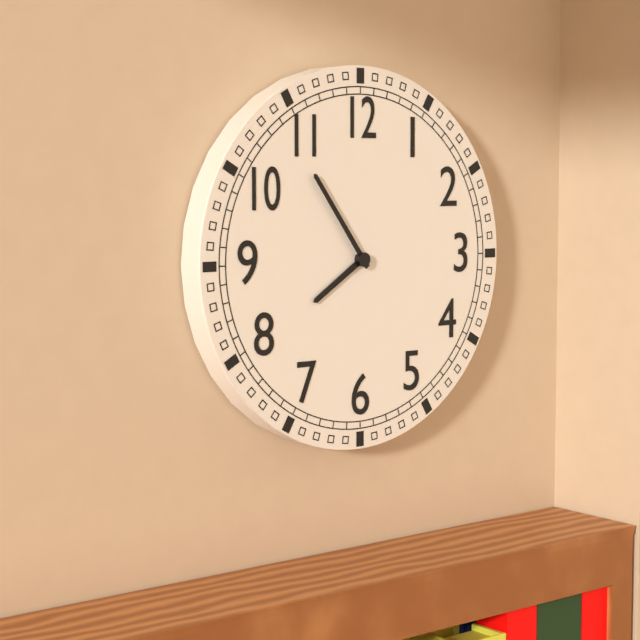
7:54
